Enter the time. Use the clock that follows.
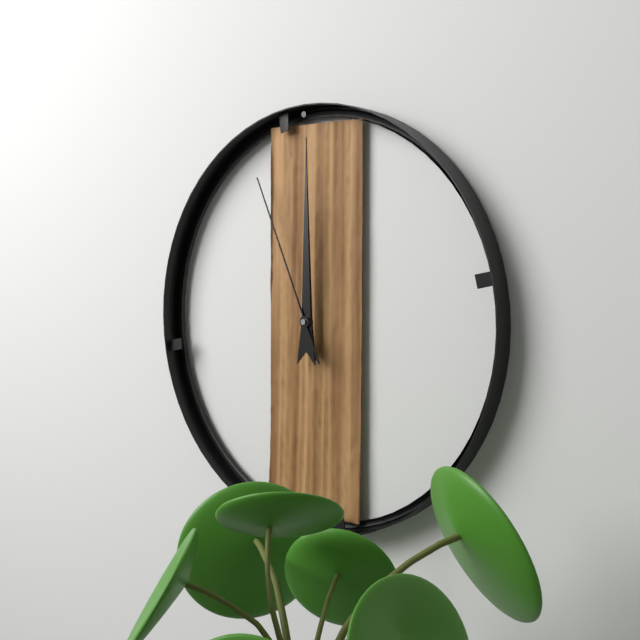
12:00:56
